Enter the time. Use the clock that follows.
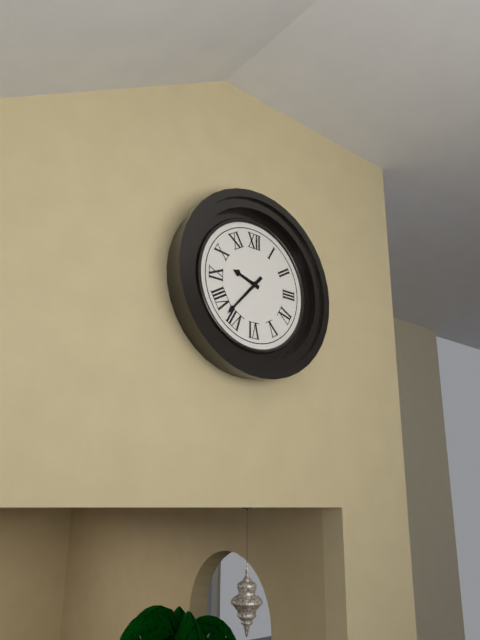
9:37
